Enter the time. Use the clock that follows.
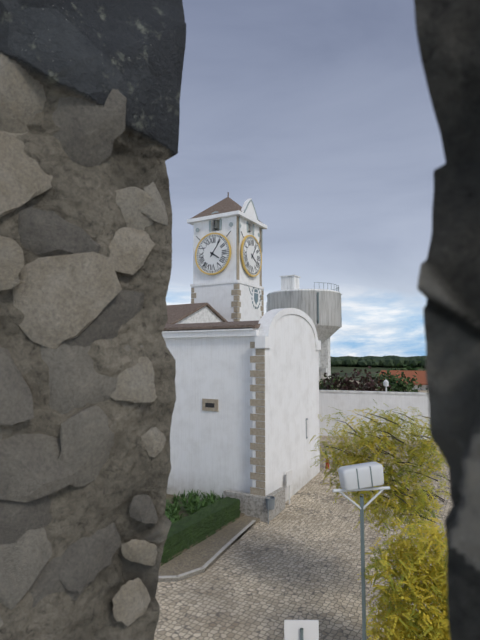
4:06
